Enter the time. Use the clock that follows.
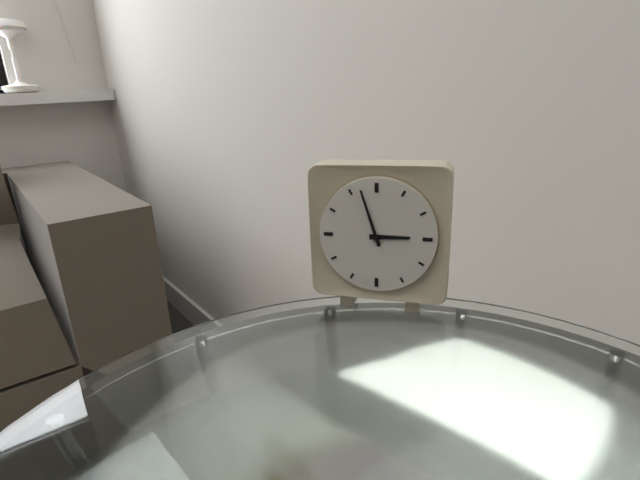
2:57
